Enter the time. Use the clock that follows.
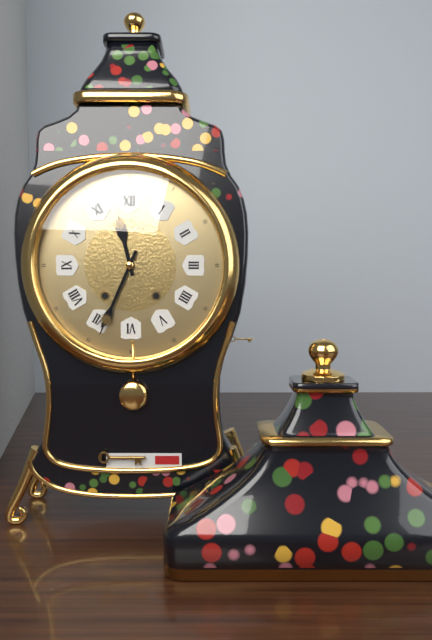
11:34
